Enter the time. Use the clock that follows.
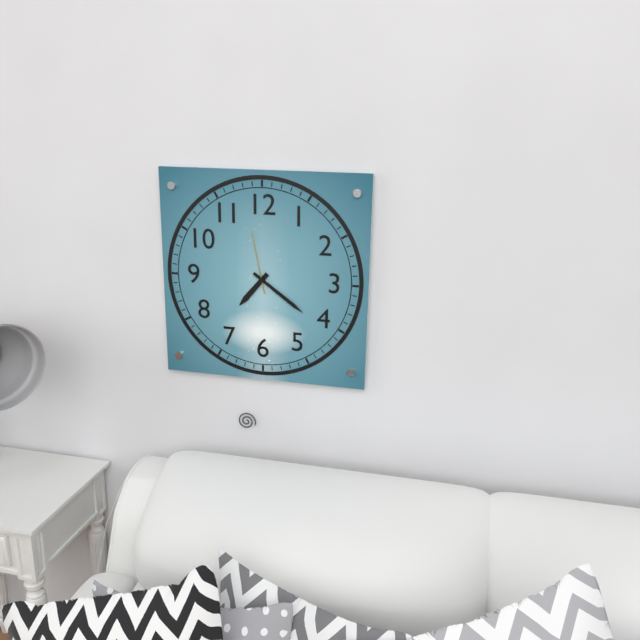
7:21:58
